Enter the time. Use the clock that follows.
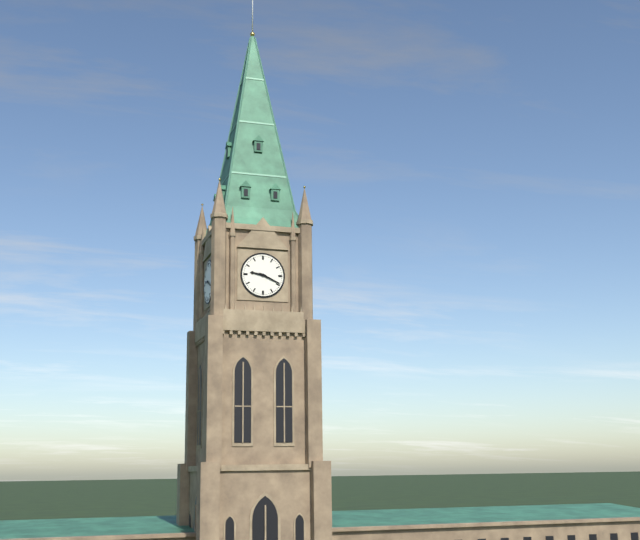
9:19
